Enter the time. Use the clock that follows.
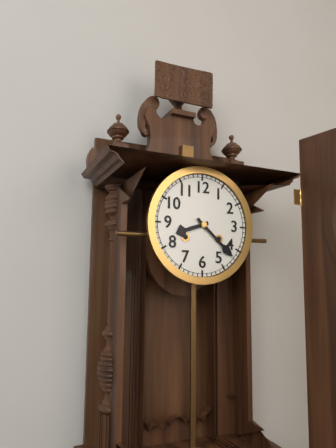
8:22
